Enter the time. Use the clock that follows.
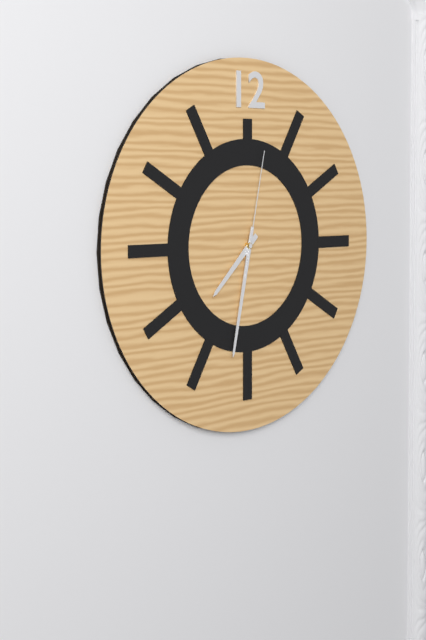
7:32:02
